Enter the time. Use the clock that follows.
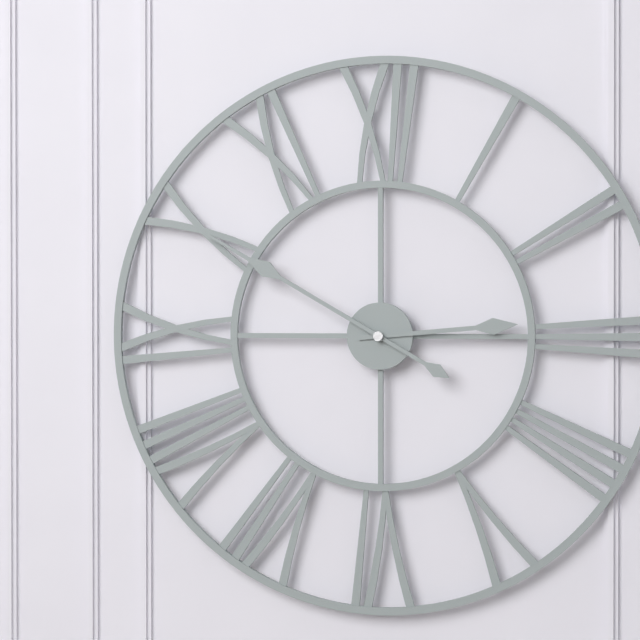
2:50
